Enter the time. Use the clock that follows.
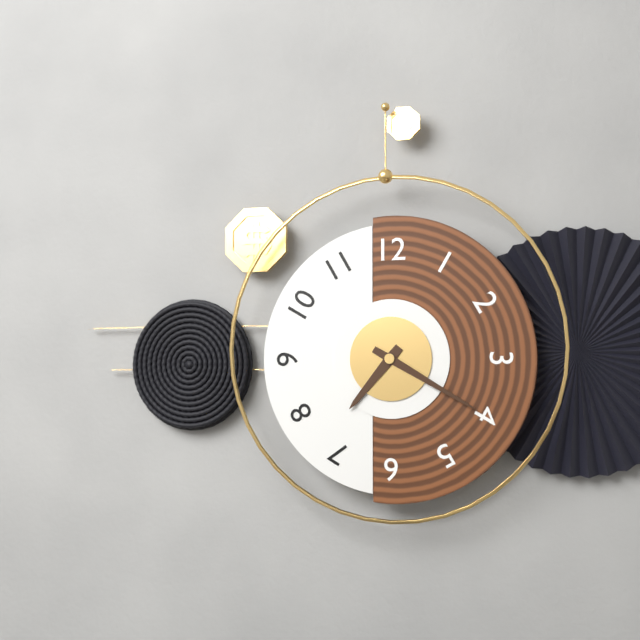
7:20
